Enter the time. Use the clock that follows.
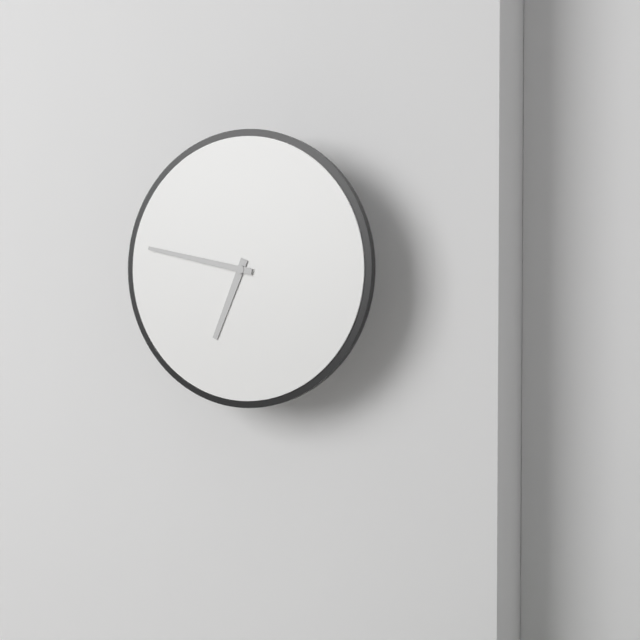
6:47
